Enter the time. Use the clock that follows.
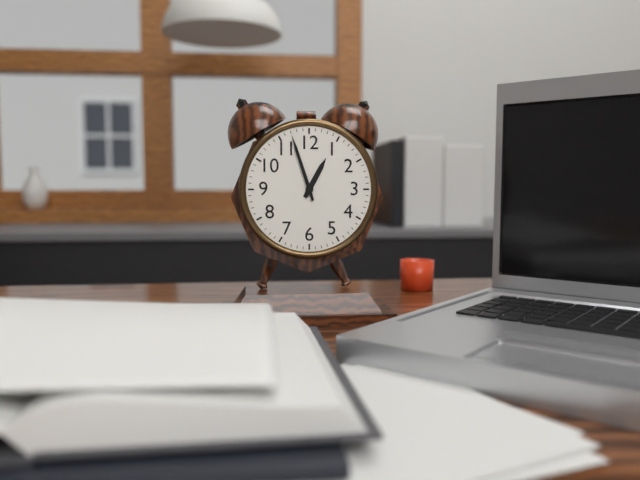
12:57
